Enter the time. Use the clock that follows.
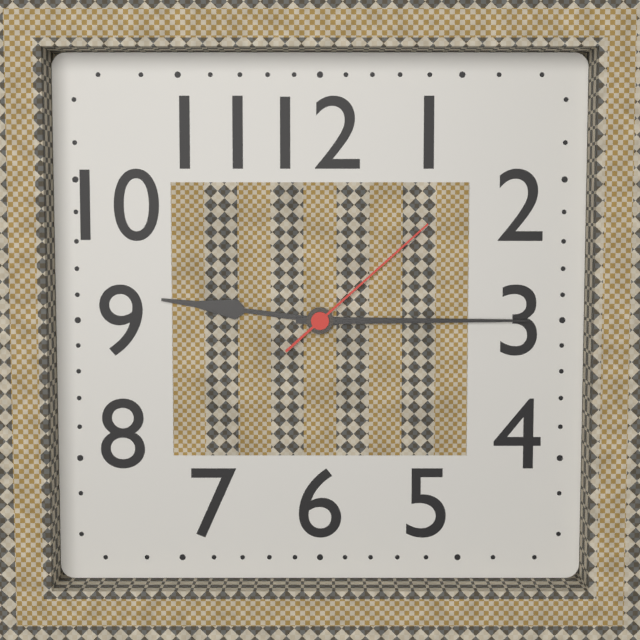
9:15:08
